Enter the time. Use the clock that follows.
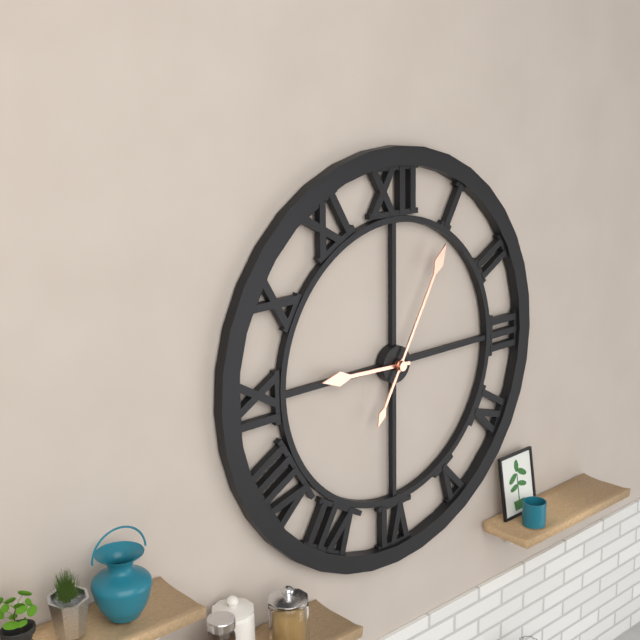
9:05
